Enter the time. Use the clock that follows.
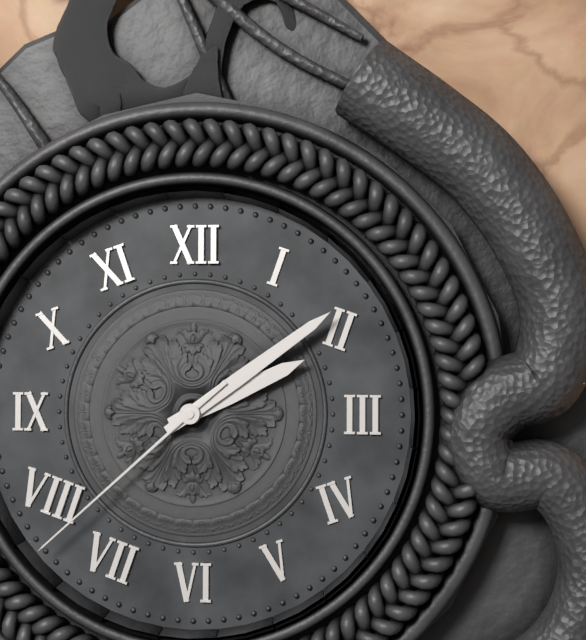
2:09:38
